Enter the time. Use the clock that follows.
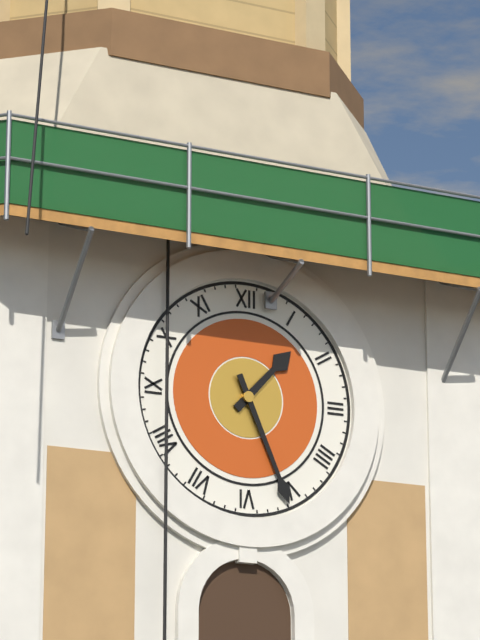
1:26
